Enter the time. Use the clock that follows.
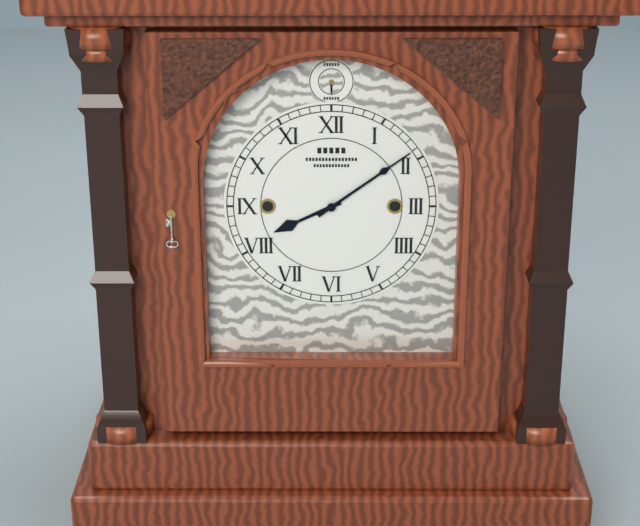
8:09
